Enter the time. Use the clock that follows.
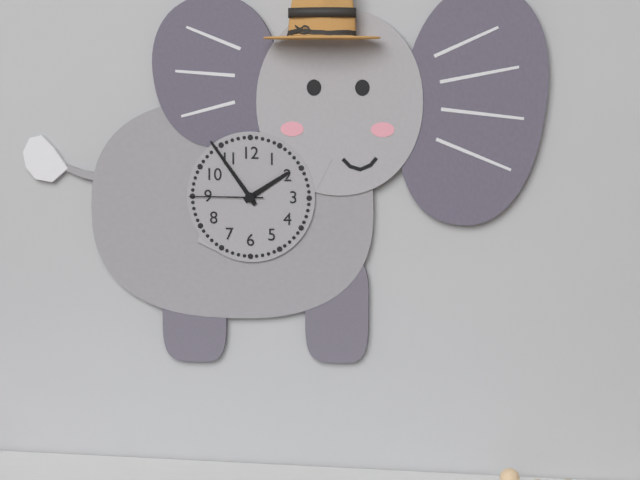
1:54:45
